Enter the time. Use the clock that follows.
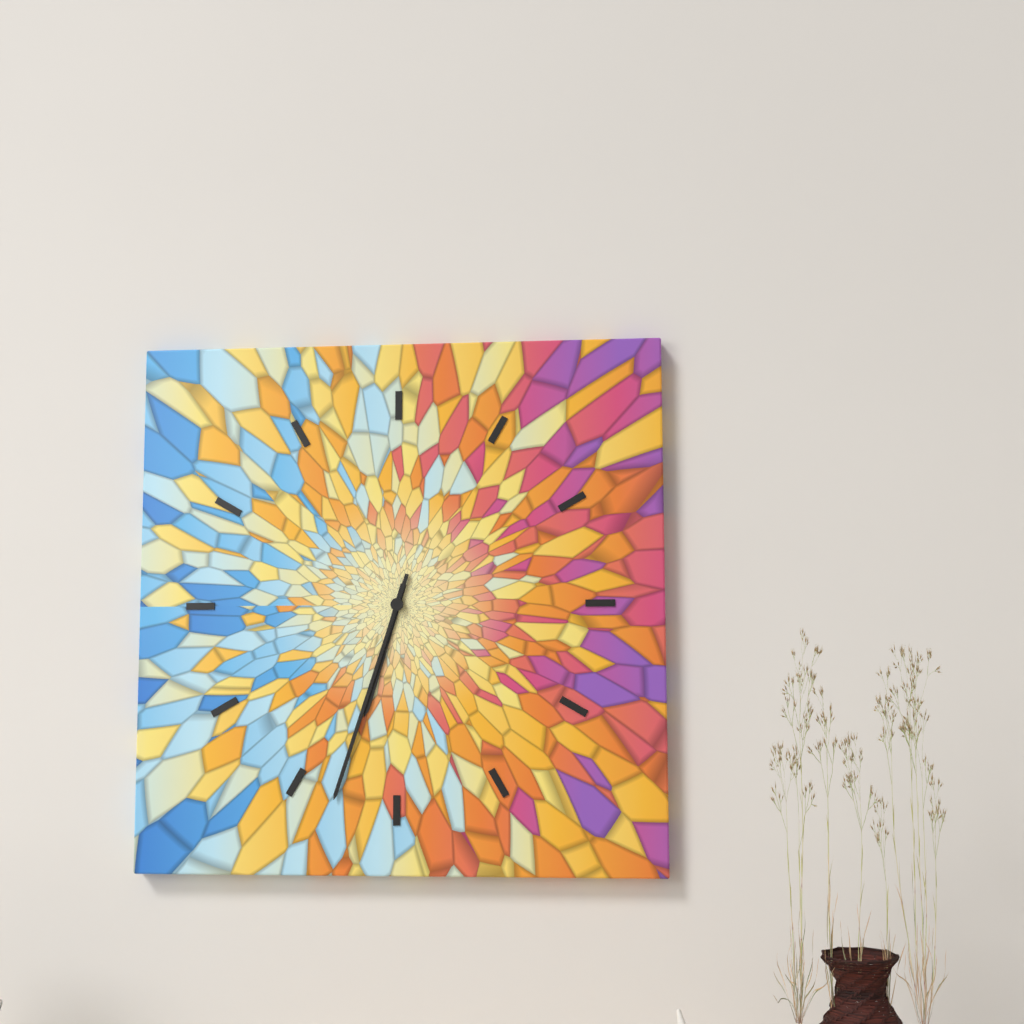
6:33
